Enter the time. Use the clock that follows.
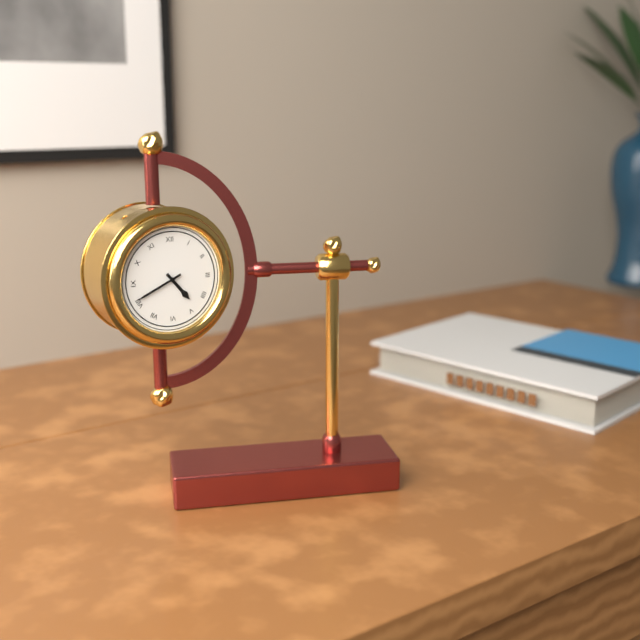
4:41
